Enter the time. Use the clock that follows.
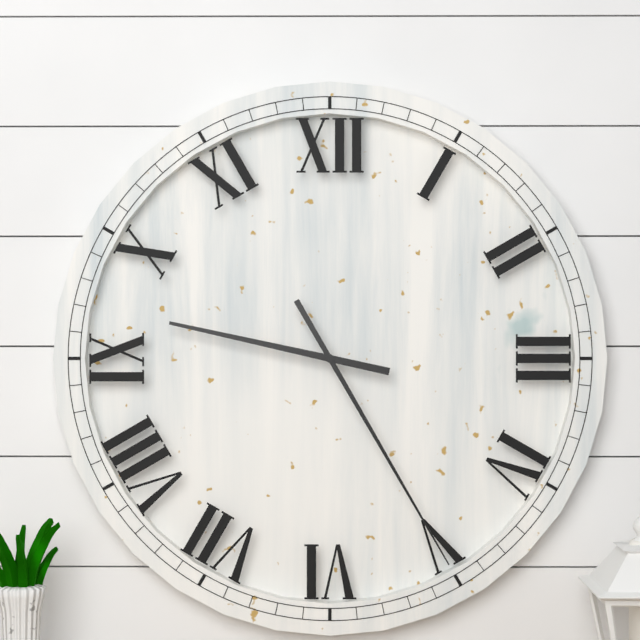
9:25
